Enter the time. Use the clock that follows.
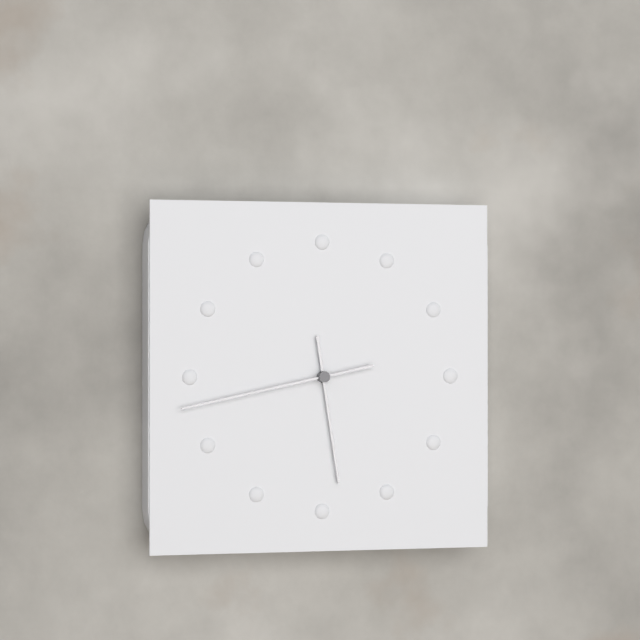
5:43
